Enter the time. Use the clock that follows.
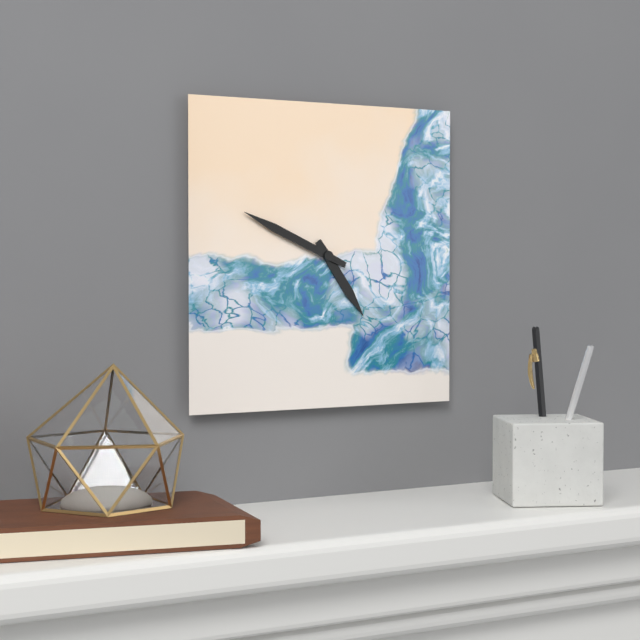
4:49
